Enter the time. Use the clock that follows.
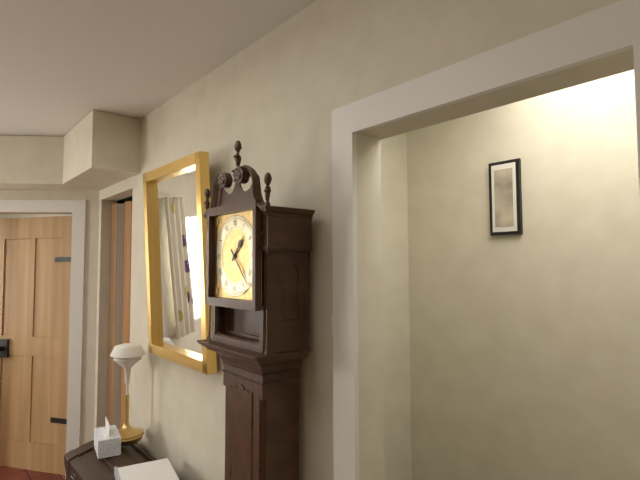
1:23
